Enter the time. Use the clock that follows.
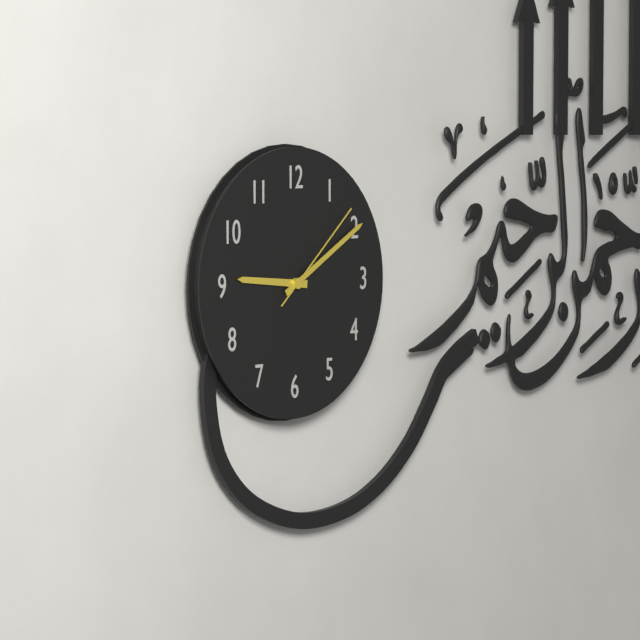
9:10:08
